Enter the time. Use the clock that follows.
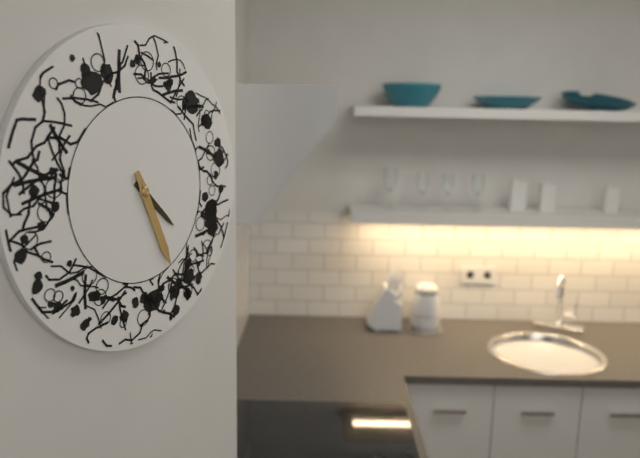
4:26
